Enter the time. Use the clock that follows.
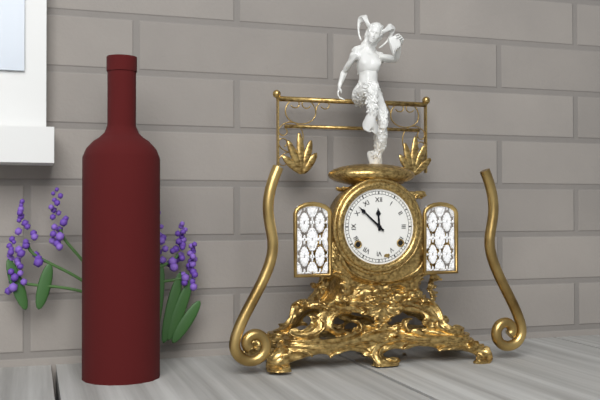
11:52
